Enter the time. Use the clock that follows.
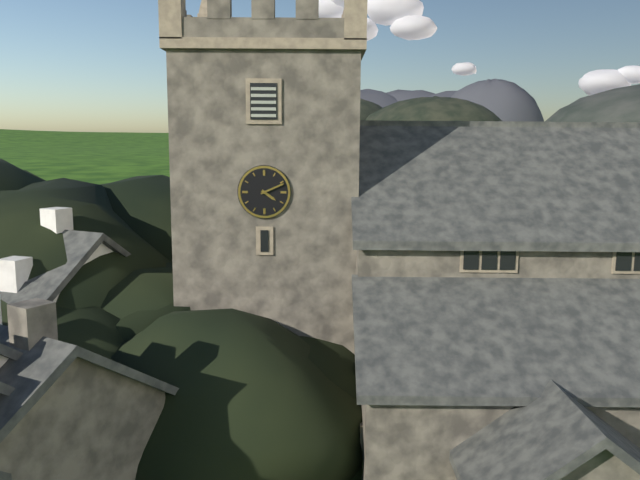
4:11
